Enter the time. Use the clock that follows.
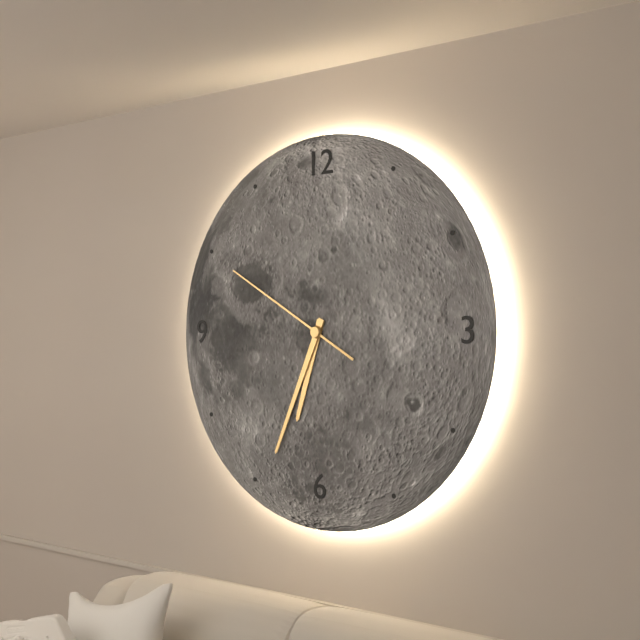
6:34:50
